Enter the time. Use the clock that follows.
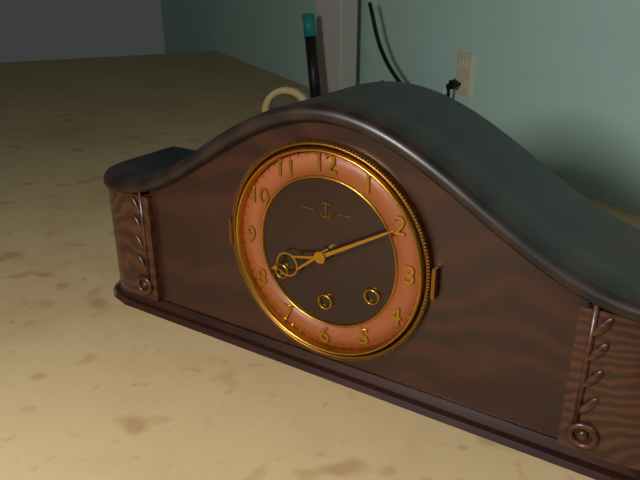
8:10
